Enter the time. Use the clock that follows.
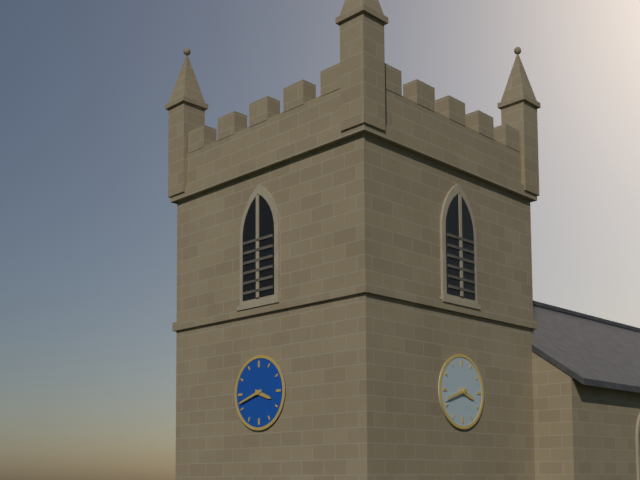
3:42
